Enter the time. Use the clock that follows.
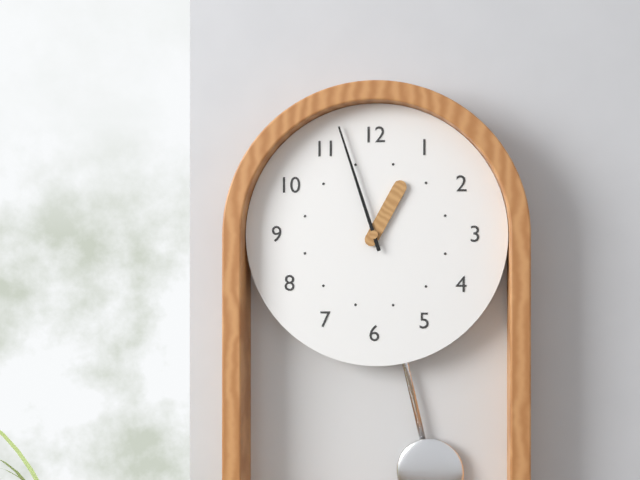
12:57
